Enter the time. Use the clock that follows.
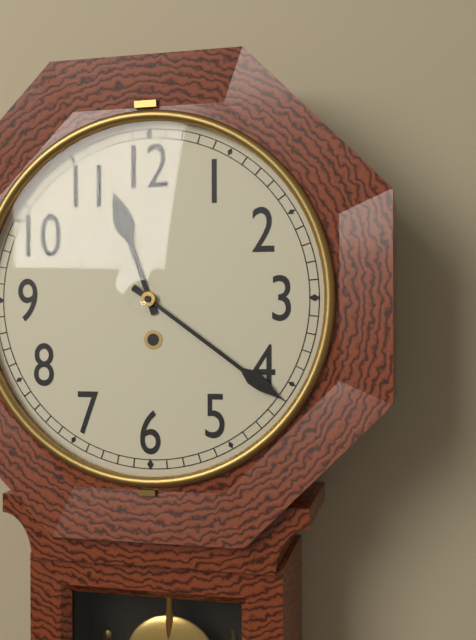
11:21
